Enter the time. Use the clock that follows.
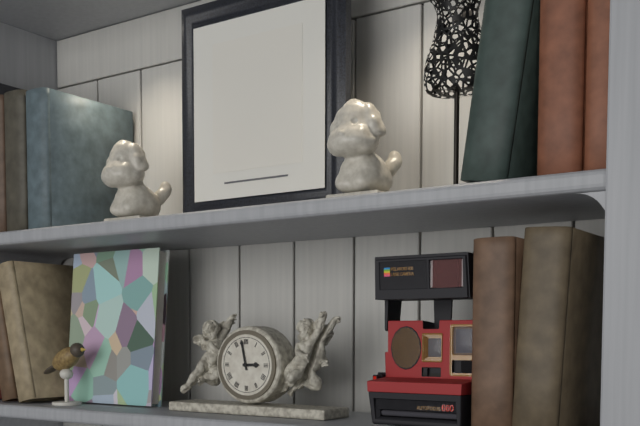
2:58
